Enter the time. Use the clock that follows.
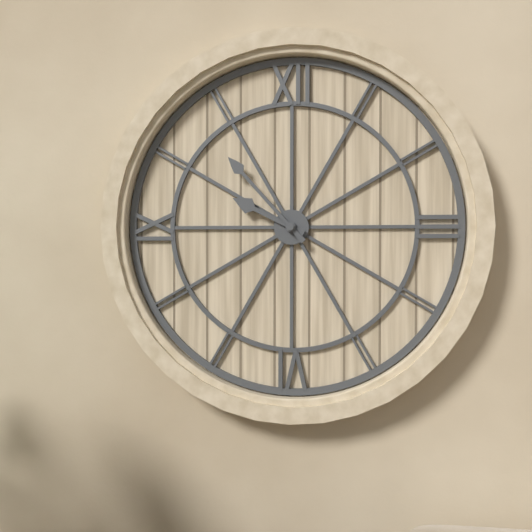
9:53
